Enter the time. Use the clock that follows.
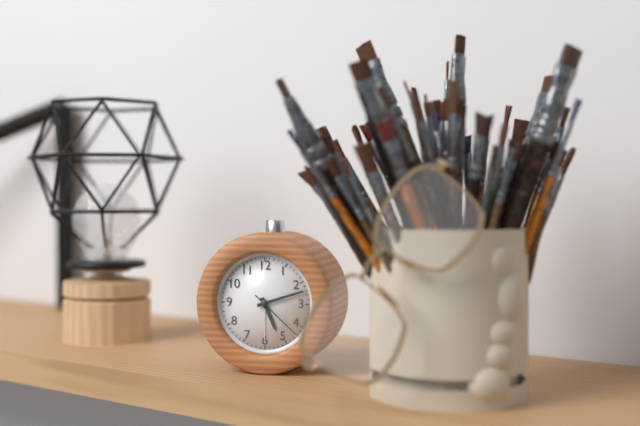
5:12:22
